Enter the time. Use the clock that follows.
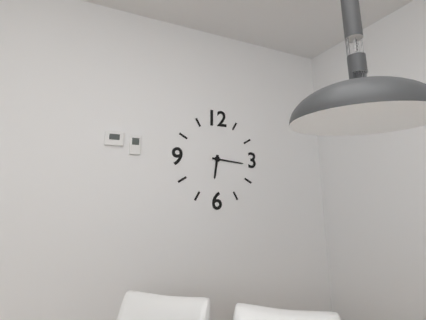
6:16
